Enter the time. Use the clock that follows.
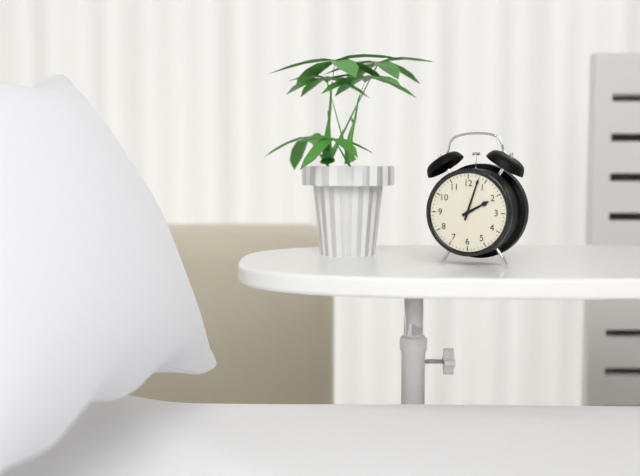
2:03
